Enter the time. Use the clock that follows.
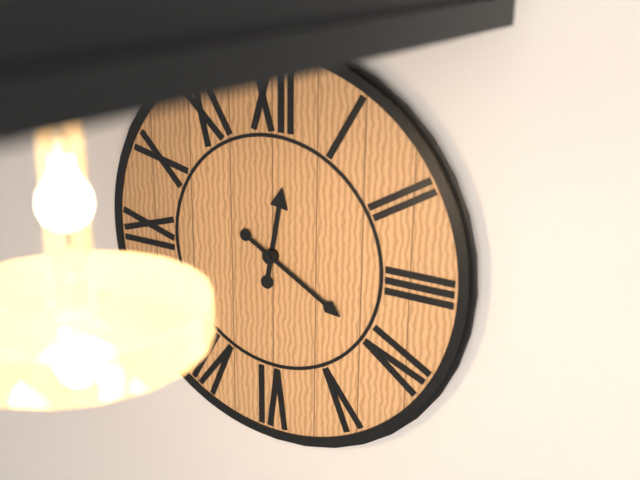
12:20
